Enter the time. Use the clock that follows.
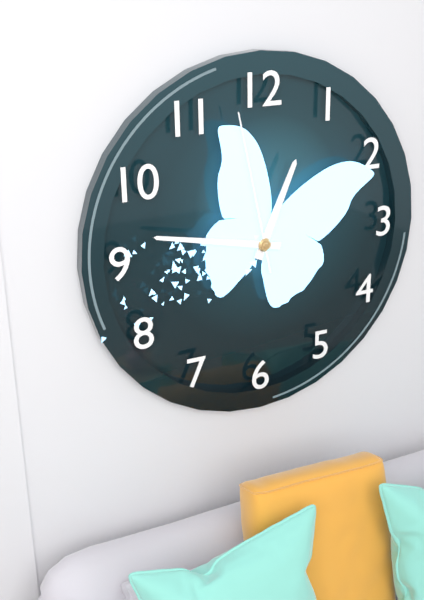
12:47:58
